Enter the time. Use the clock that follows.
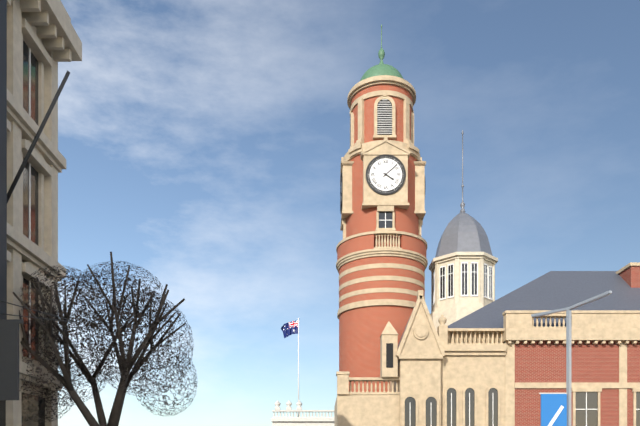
4:08
